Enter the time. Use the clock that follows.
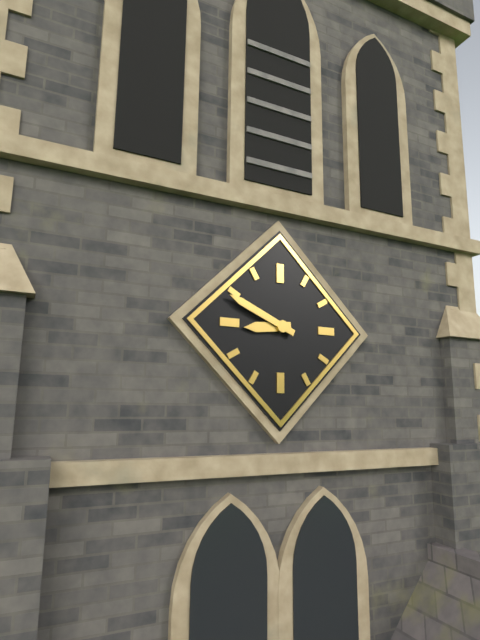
8:49
